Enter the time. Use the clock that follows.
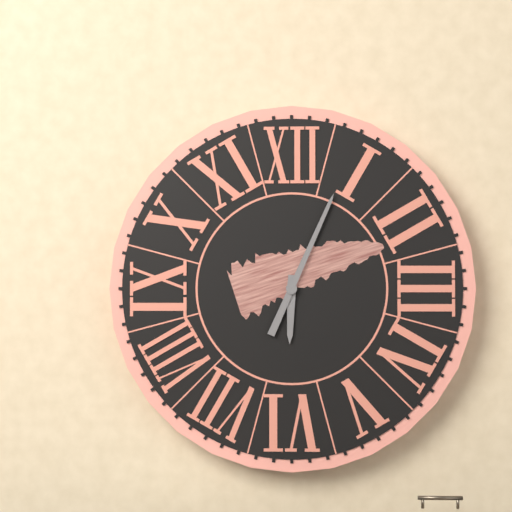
6:04
